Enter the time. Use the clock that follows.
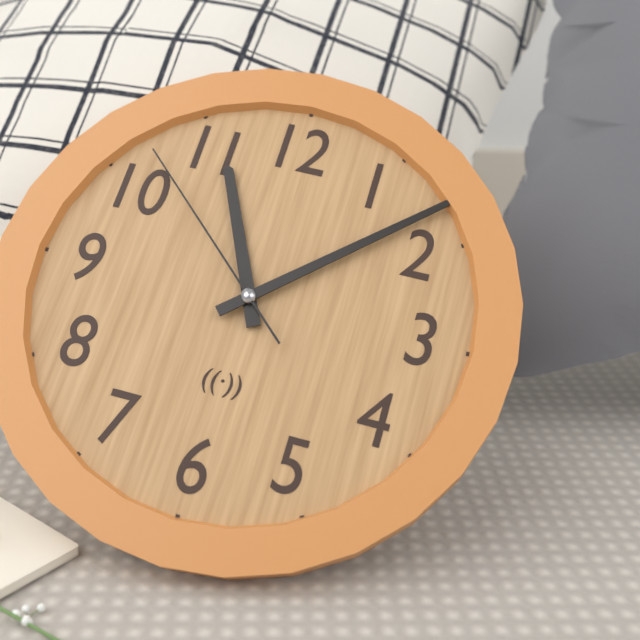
11:08:52
